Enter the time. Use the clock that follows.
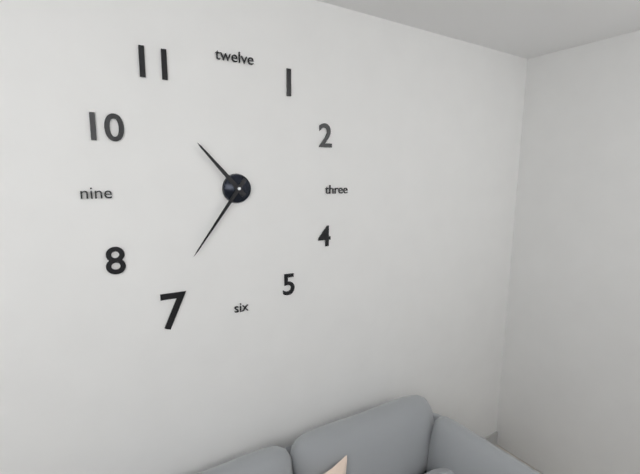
10:36
